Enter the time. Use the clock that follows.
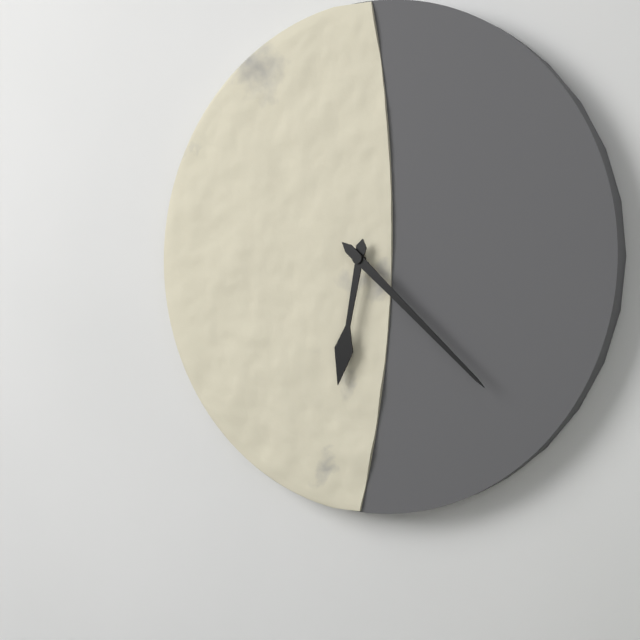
6:22
